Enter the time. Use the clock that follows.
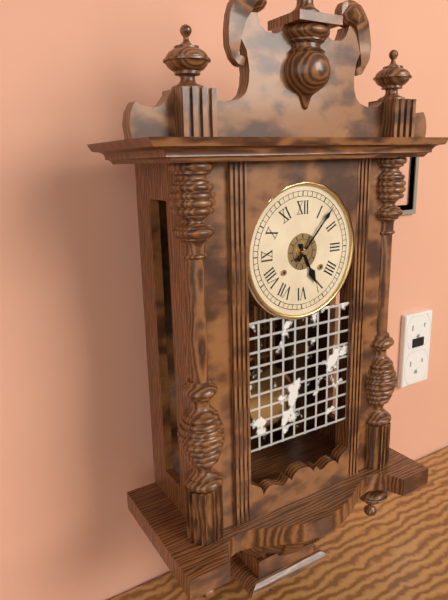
5:07
